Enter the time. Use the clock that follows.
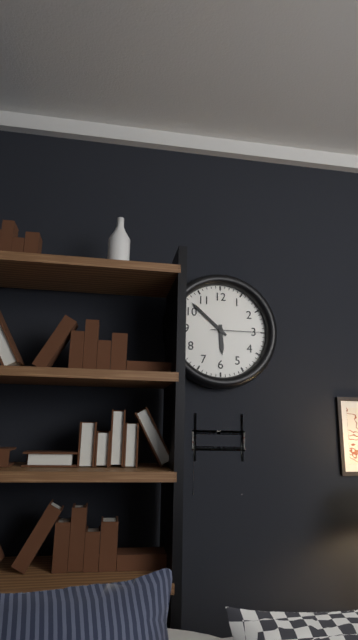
5:52:15
